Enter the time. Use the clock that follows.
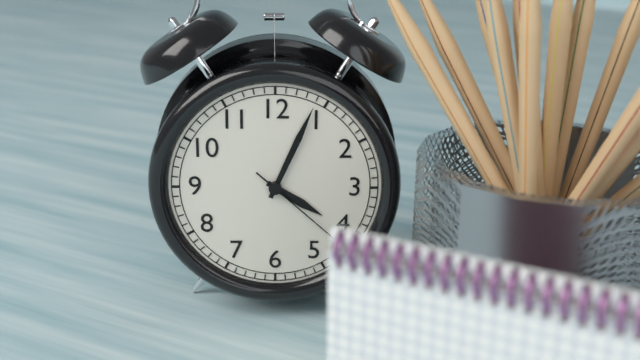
4:04:22
